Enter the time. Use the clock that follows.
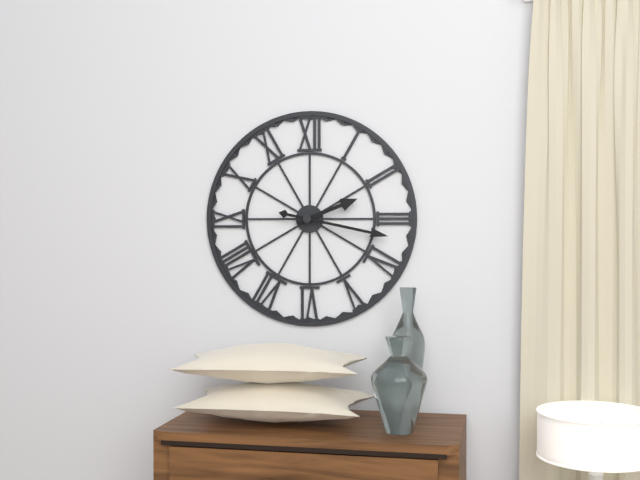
2:17
